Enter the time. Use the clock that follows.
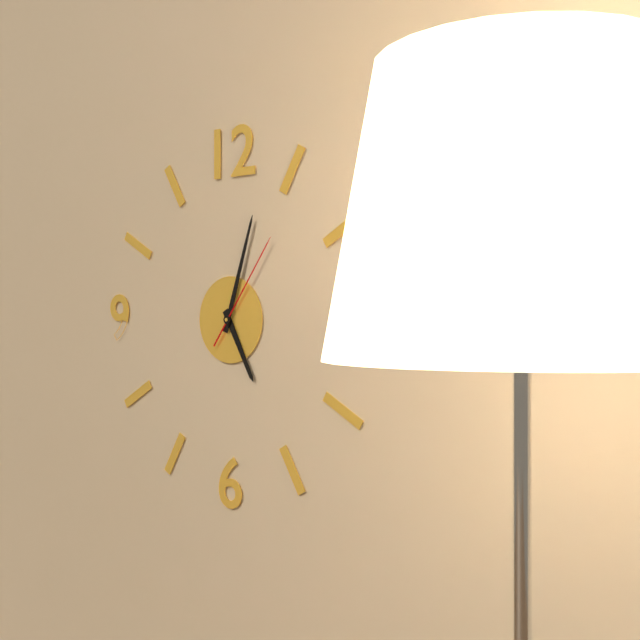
5:03:06
